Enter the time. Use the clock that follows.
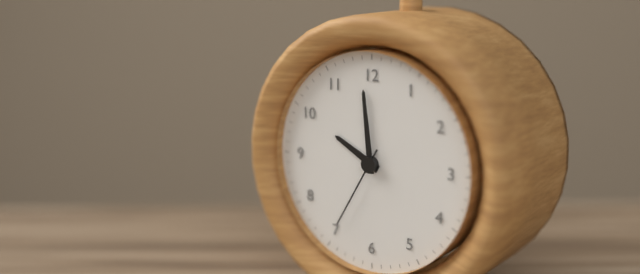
9:59:35
